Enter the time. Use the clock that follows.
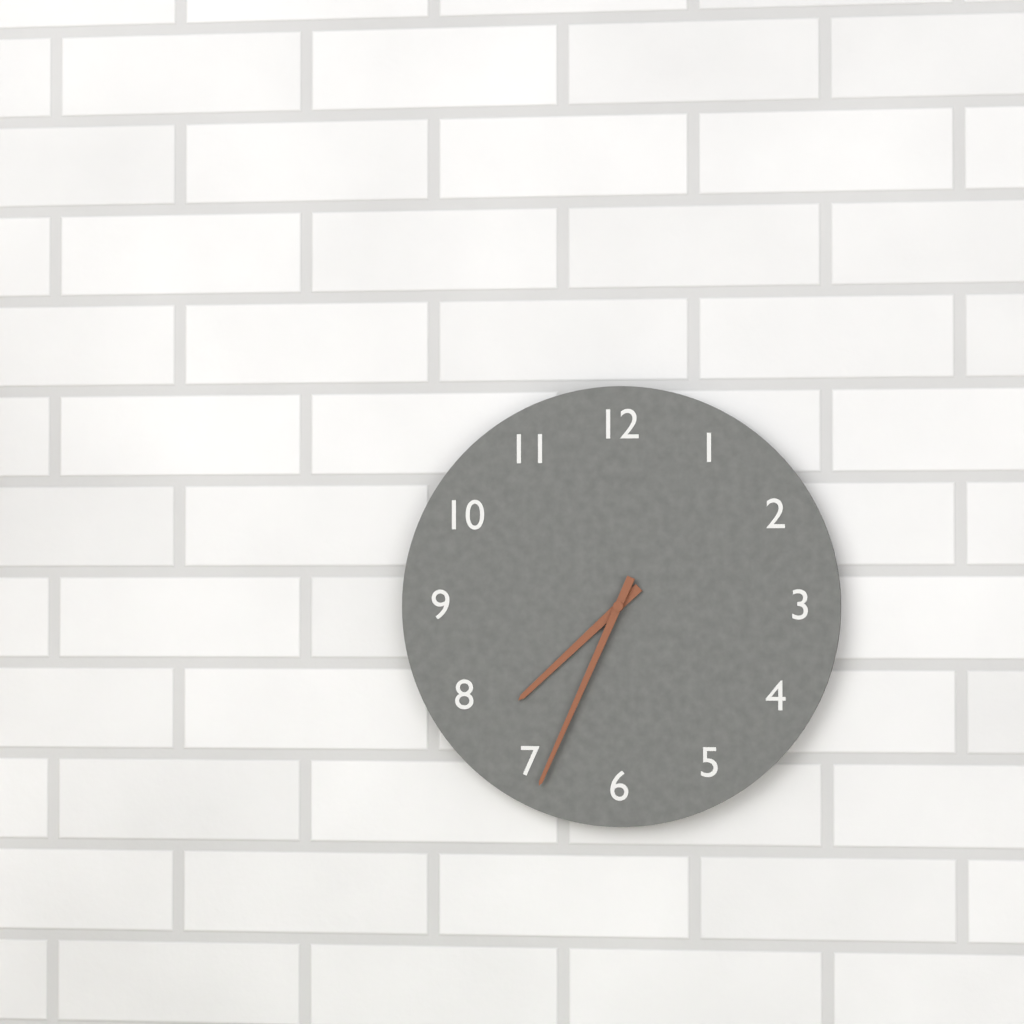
7:34
